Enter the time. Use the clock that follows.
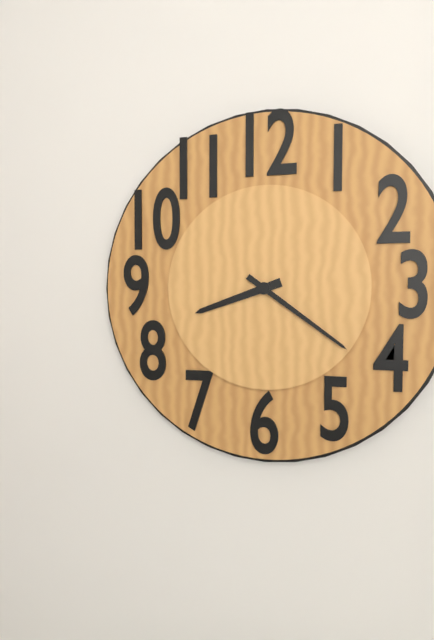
8:21
